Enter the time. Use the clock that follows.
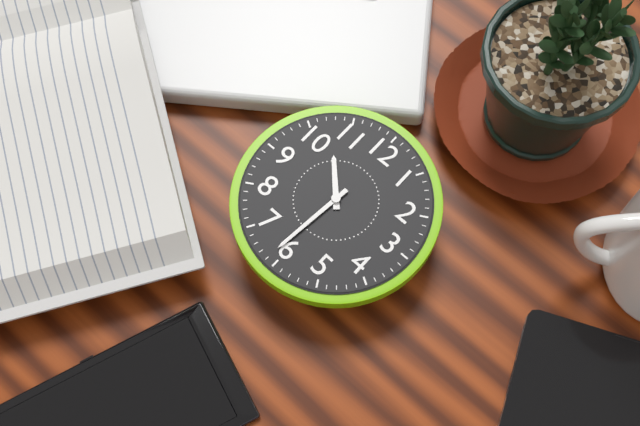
10:31
